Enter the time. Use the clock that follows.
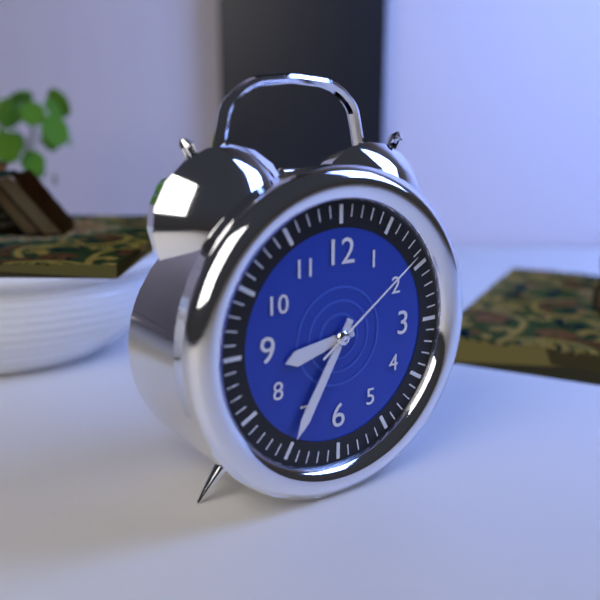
8:35:09
